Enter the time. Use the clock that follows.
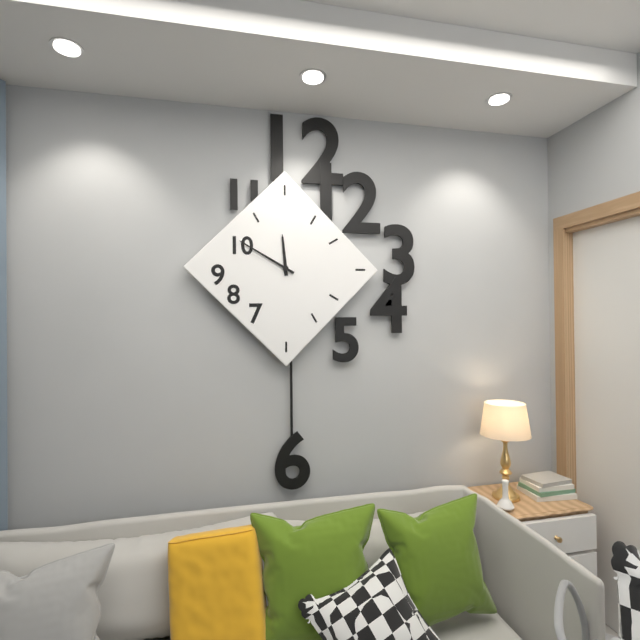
11:50
